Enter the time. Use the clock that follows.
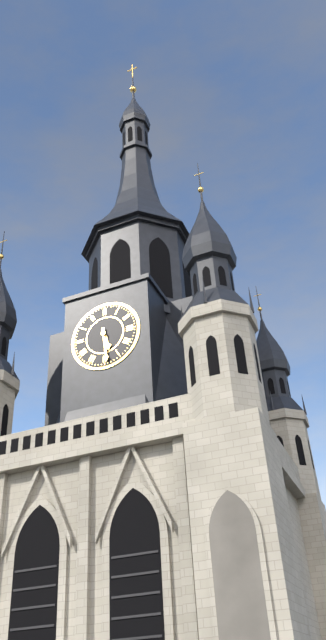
5:29
